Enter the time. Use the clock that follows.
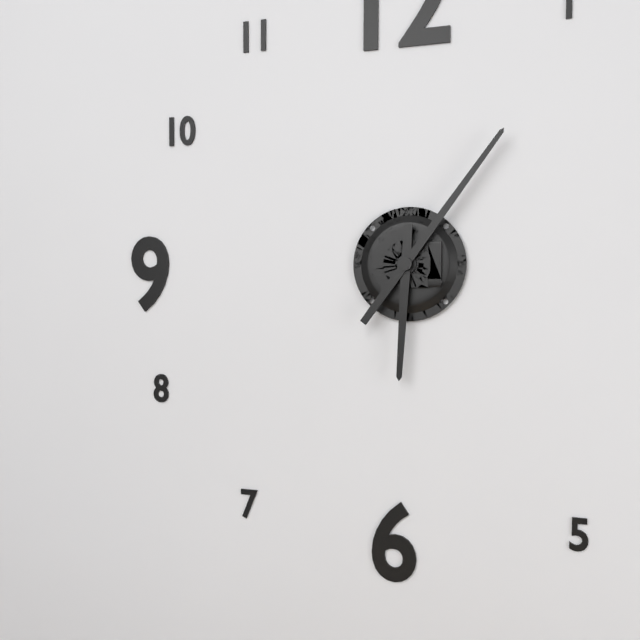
6:06
